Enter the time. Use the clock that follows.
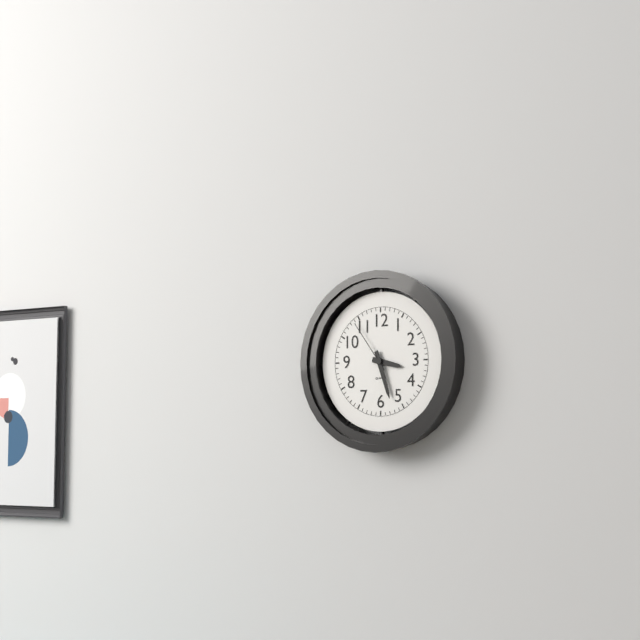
3:27:54
